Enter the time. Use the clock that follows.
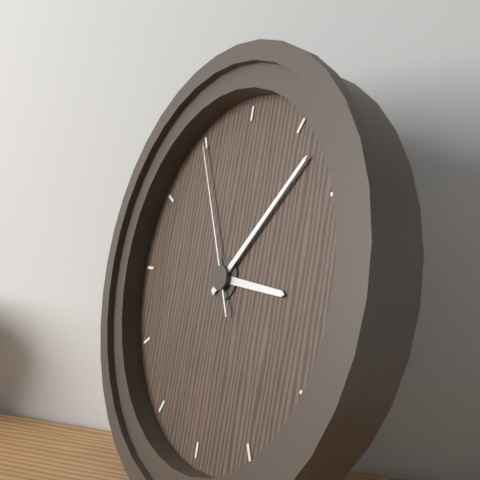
3:07:55
